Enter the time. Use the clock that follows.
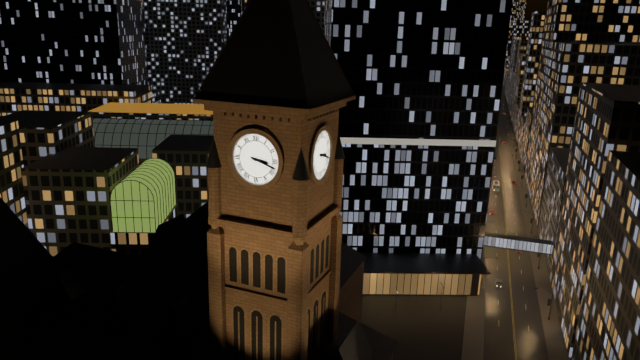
3:18
